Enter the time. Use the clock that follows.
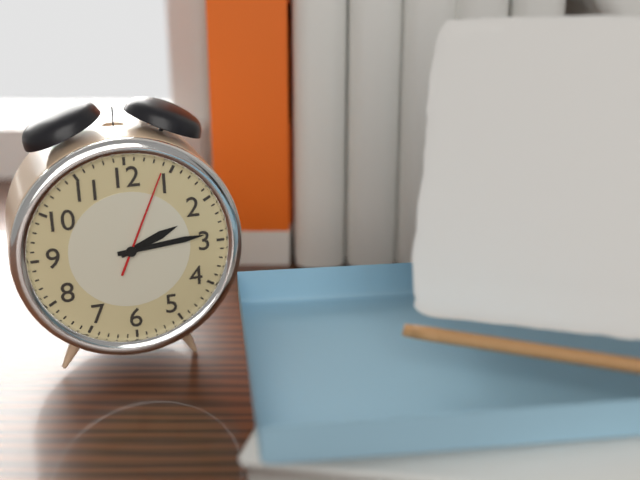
2:14:04
